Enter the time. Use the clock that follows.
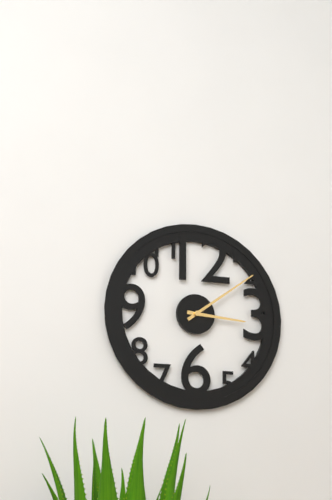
3:09
